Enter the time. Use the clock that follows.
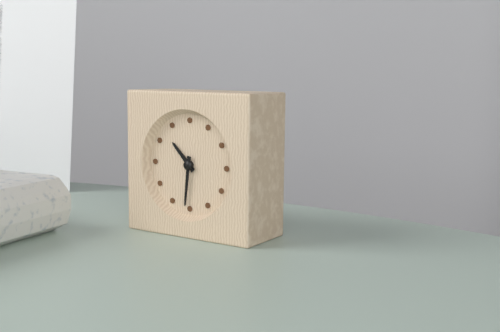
10:31
